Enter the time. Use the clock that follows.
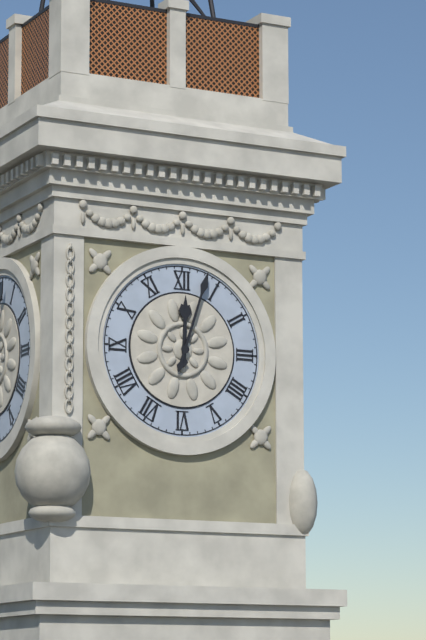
12:03
